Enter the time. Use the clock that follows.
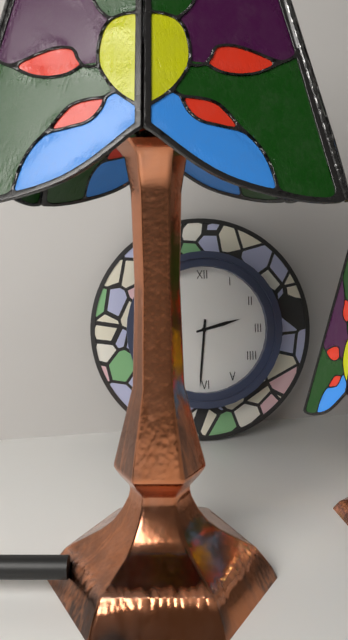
2:31
